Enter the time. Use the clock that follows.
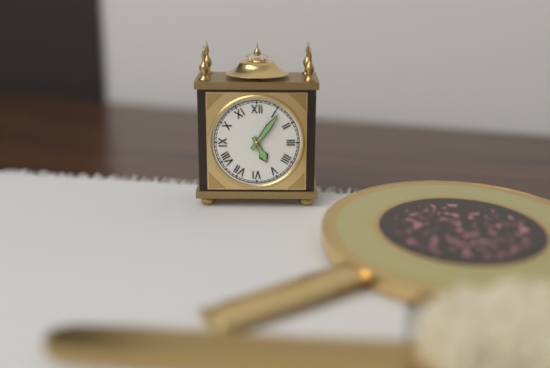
5:06
